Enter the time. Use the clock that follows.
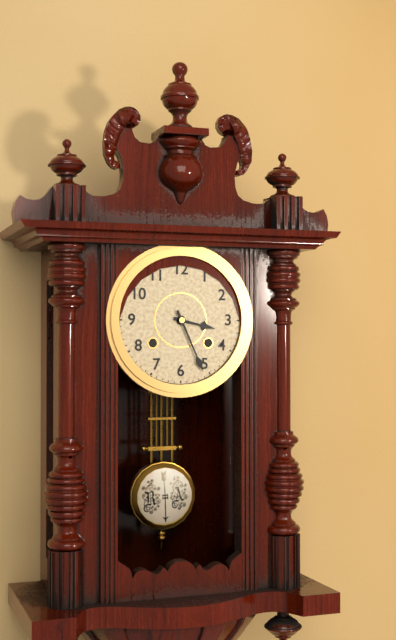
3:26
